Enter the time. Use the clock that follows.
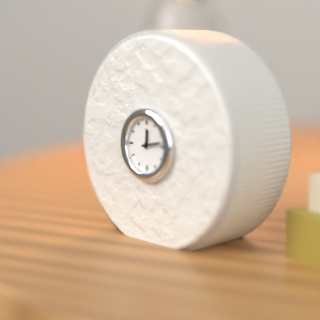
12:13
